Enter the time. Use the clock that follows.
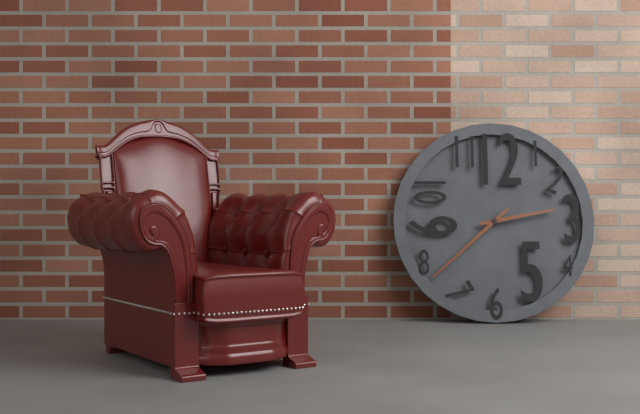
2:38
